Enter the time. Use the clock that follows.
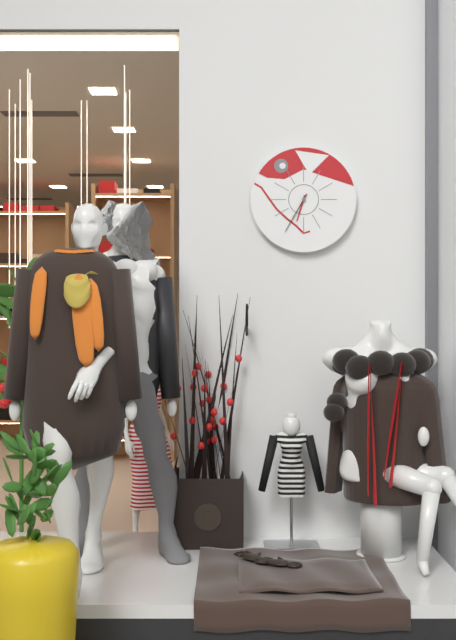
6:35
